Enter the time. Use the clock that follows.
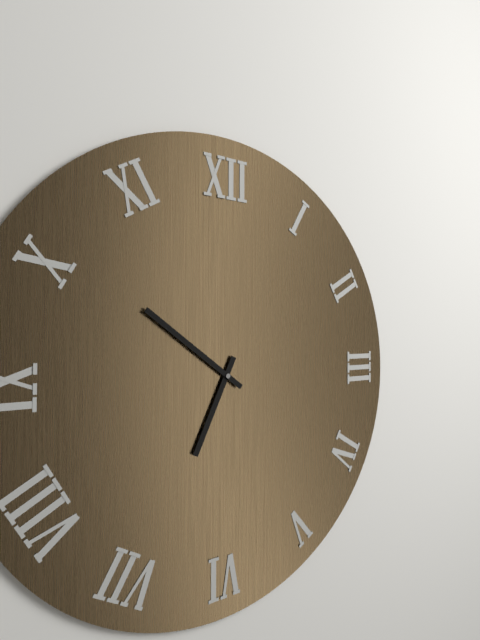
6:51
